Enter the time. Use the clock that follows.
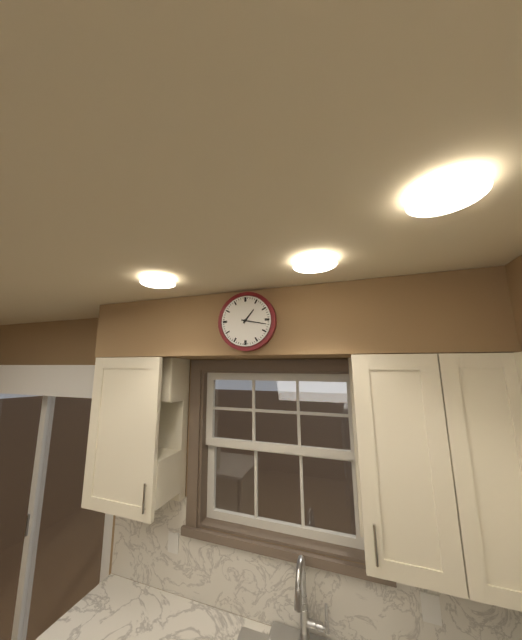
1:17
